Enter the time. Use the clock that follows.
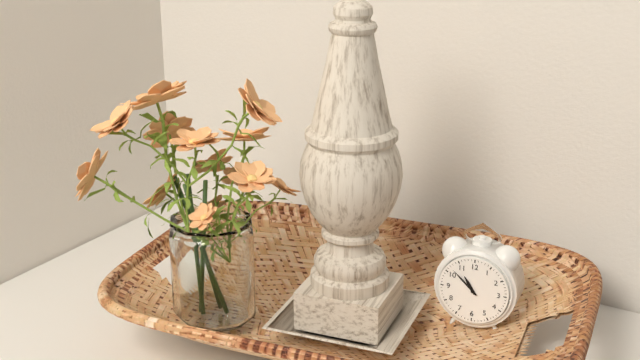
10:52
